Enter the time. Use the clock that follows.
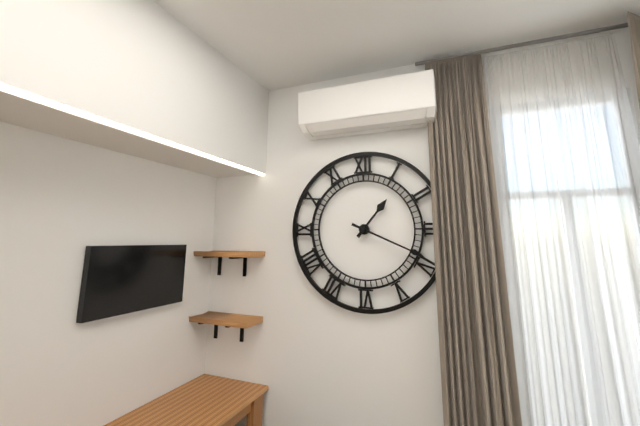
1:19
